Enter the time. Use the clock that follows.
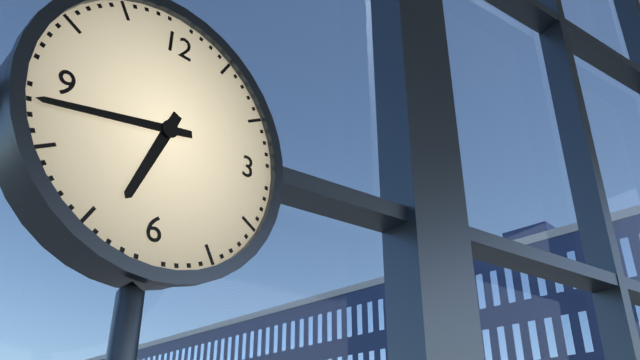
6:43
